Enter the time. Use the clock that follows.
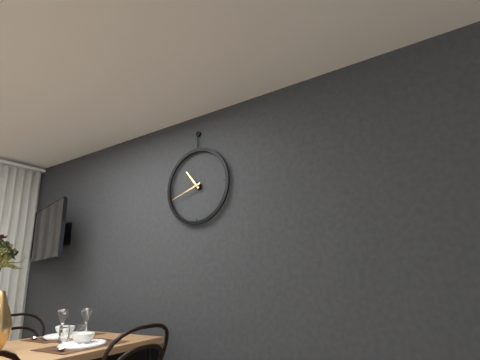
10:42
